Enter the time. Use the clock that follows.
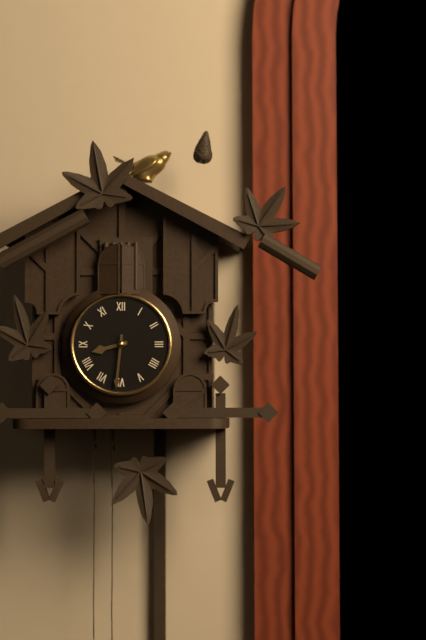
8:31
